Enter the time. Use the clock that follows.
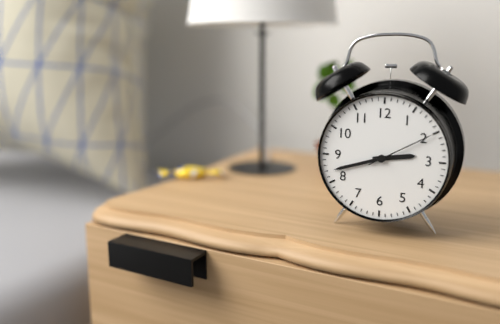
2:42:10
